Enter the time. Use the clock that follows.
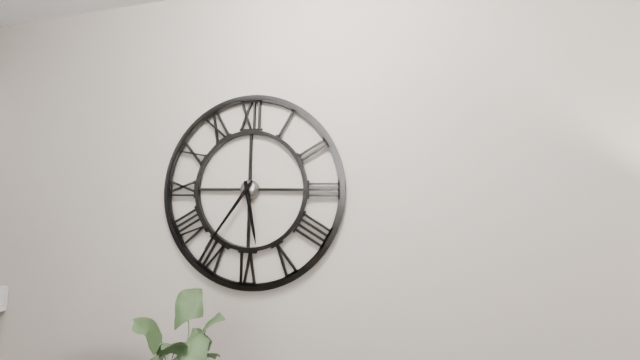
5:36
